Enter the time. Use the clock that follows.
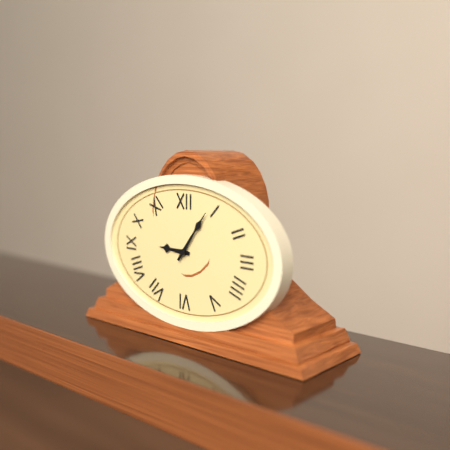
9:06
